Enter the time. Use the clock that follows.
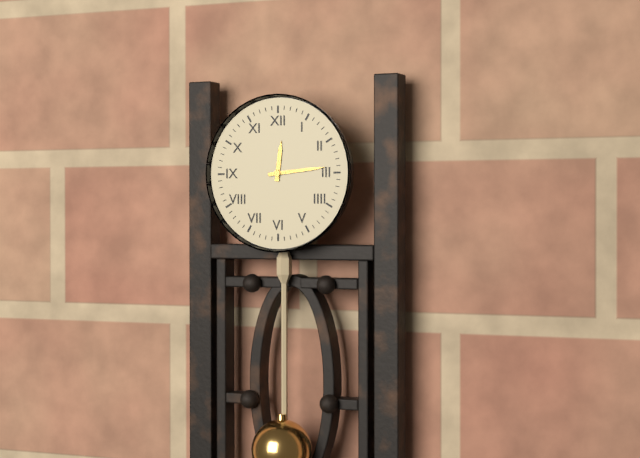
12:14
